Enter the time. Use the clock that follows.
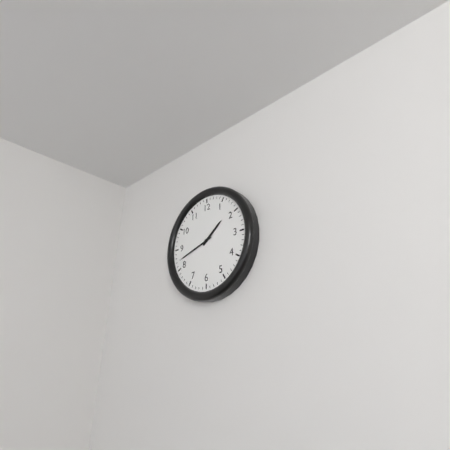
1:42
